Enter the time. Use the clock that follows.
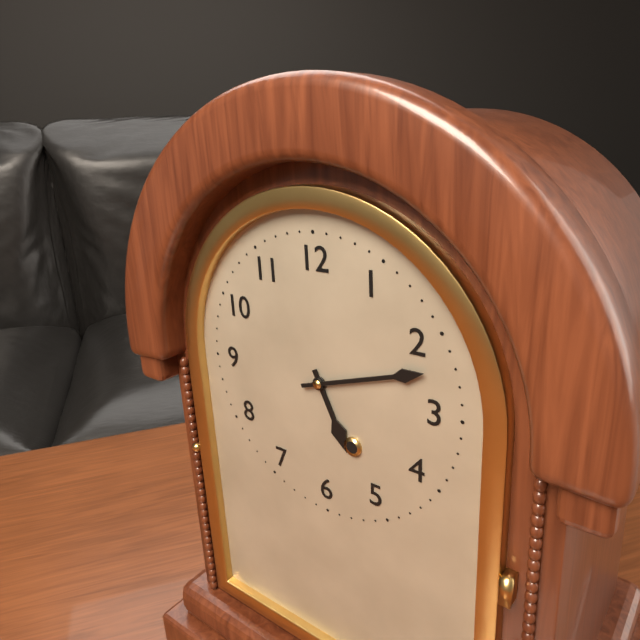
5:12
